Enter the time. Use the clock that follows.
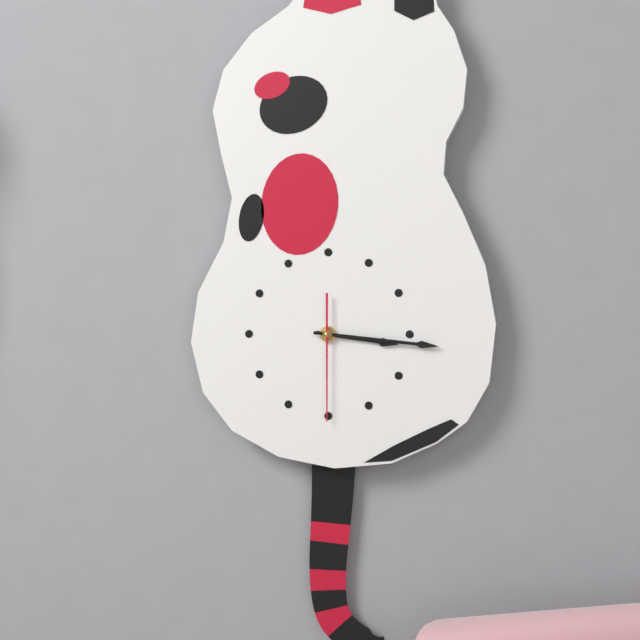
3:16:30
